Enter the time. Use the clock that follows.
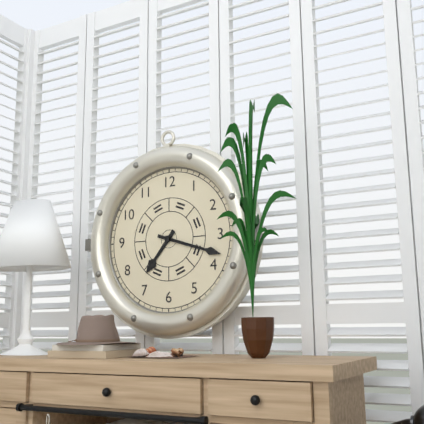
7:18
